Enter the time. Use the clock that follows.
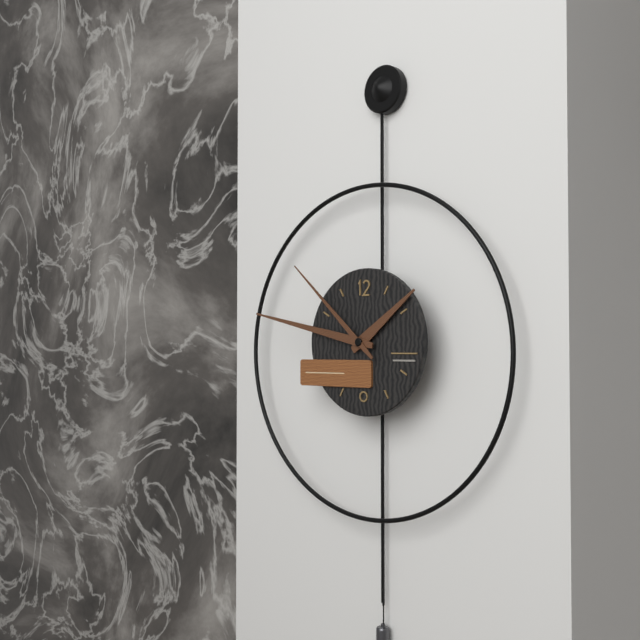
1:47:52
